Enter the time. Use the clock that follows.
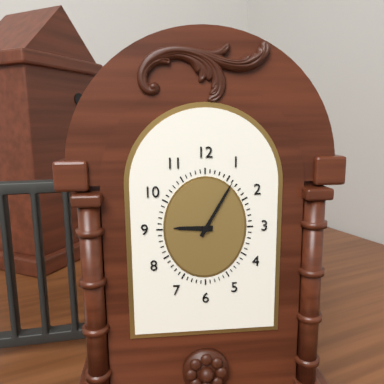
9:05
